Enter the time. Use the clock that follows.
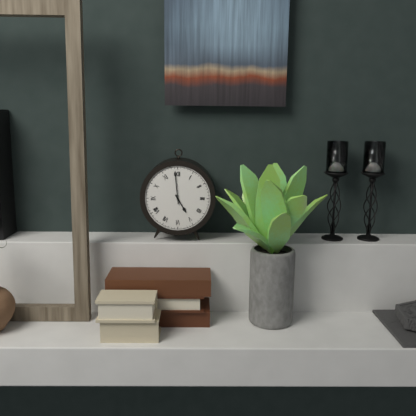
4:59
